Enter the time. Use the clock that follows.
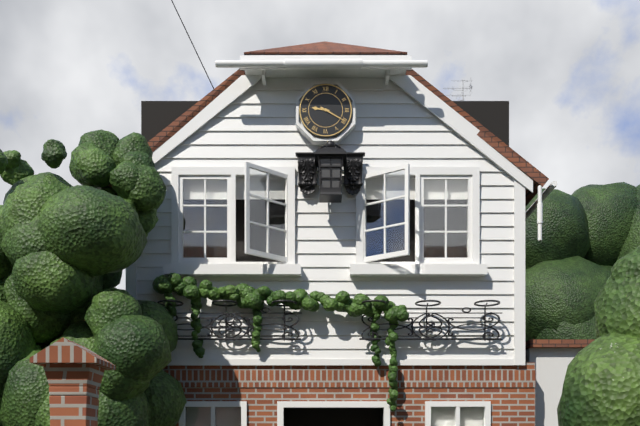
9:20
